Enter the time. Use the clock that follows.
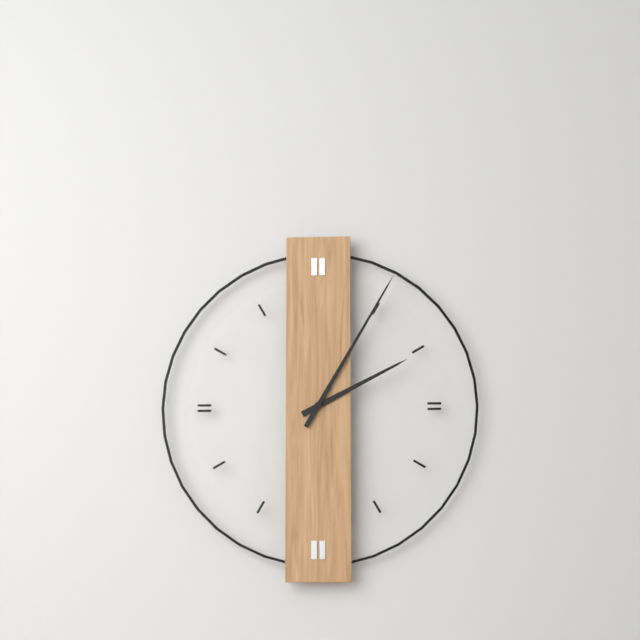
2:05
